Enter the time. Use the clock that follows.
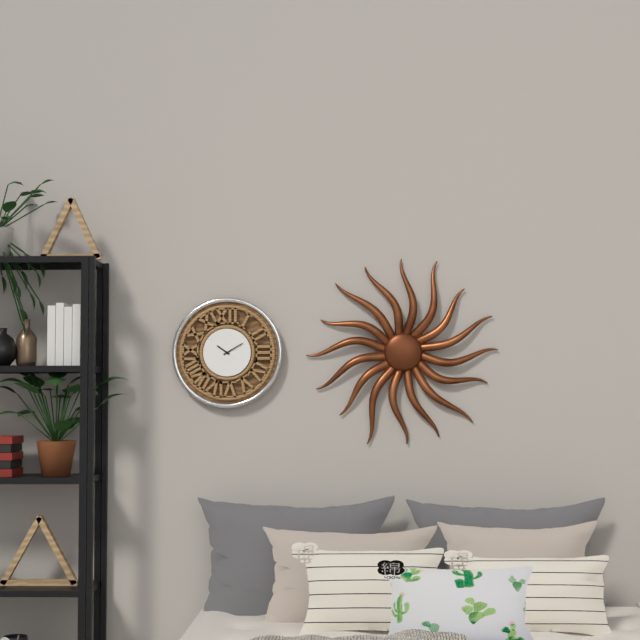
10:10
